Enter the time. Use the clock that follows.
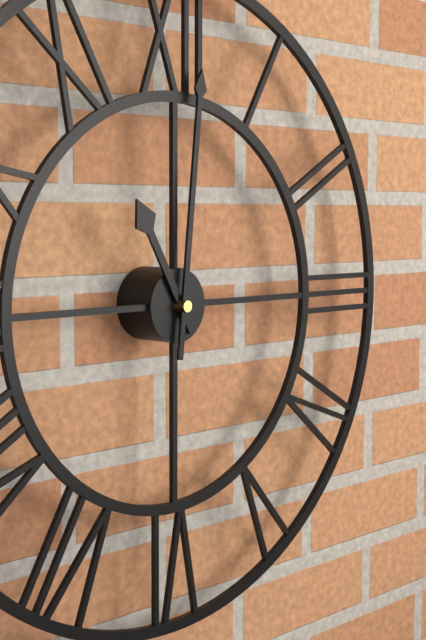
11:01
